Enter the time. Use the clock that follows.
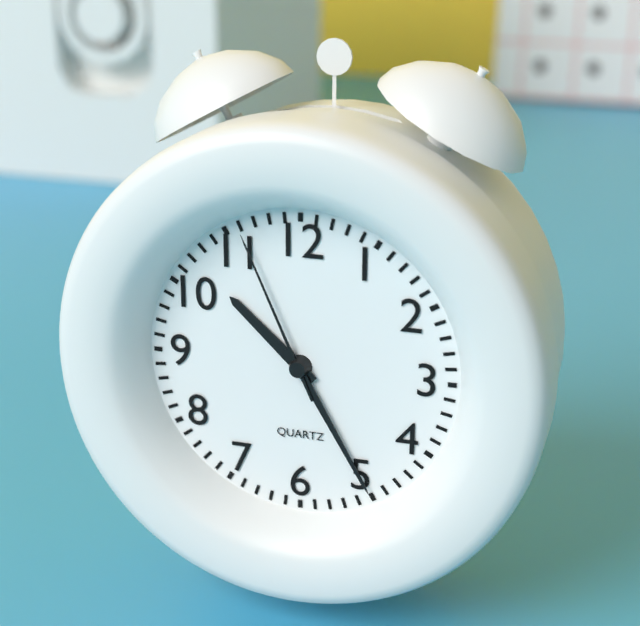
10:25:56
